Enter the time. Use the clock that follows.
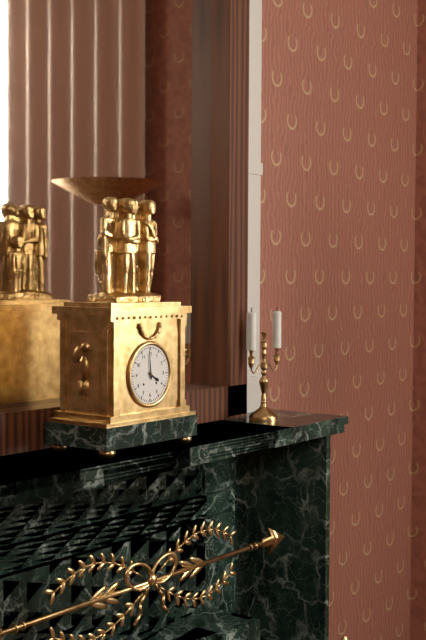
3:59
